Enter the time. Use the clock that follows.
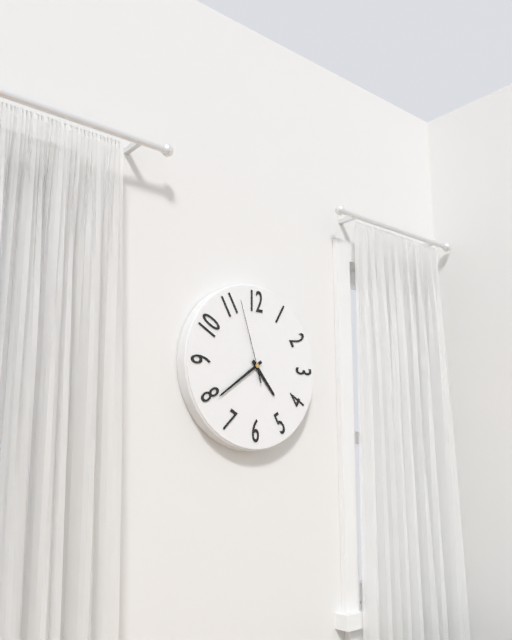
4:39:57
